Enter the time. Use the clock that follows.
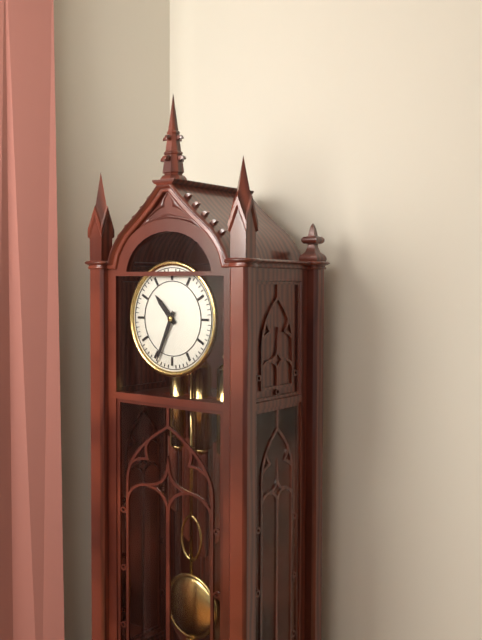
10:34
